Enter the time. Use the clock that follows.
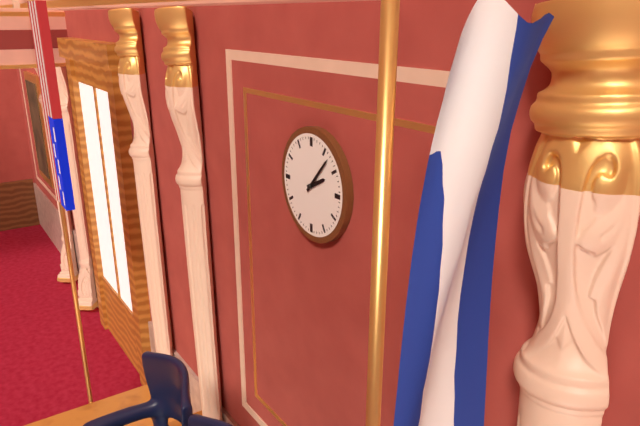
2:07
